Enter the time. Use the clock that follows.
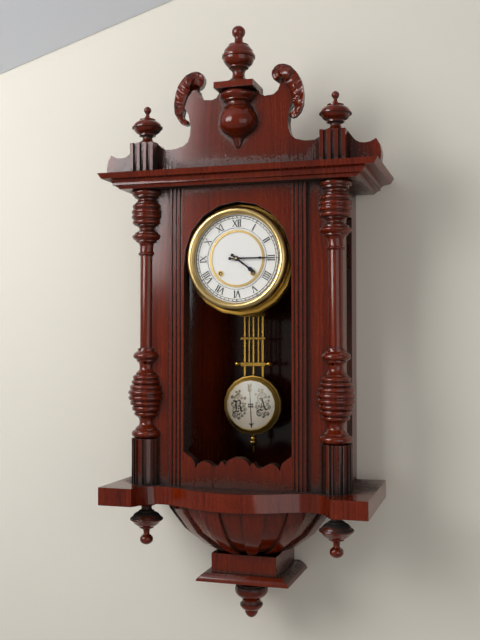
4:15
